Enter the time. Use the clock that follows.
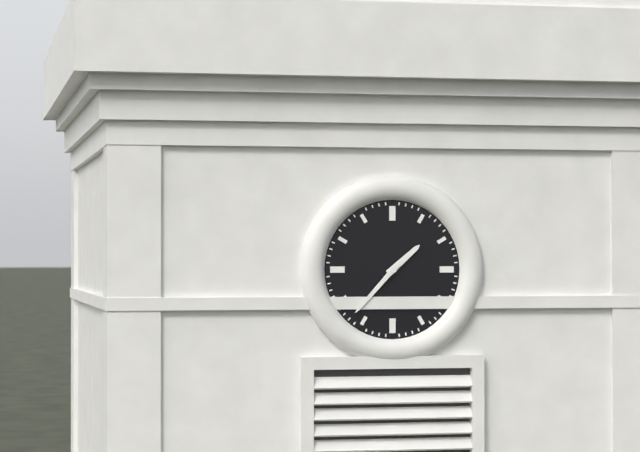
1:37
